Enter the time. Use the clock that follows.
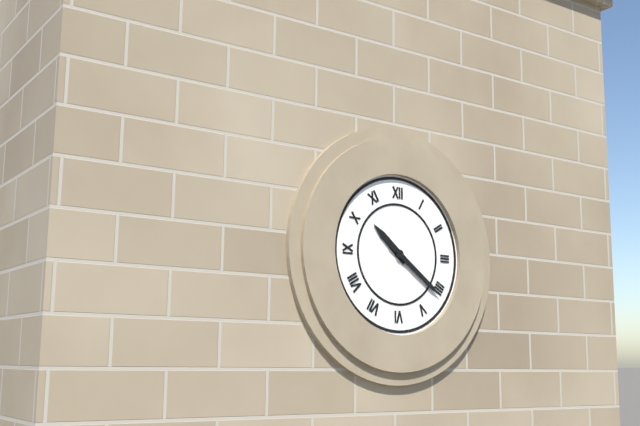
10:21
